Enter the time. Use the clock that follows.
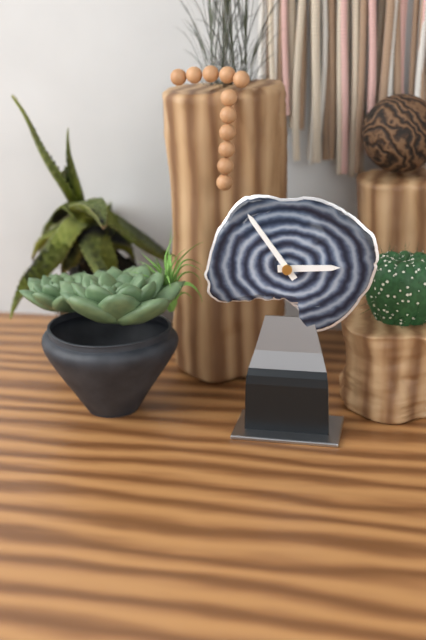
2:54
